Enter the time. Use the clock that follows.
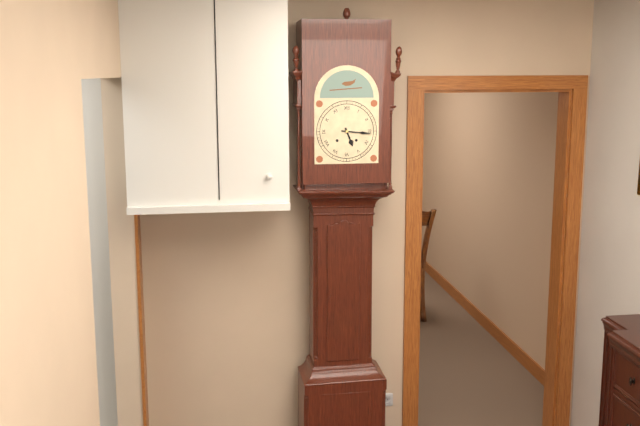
5:16
